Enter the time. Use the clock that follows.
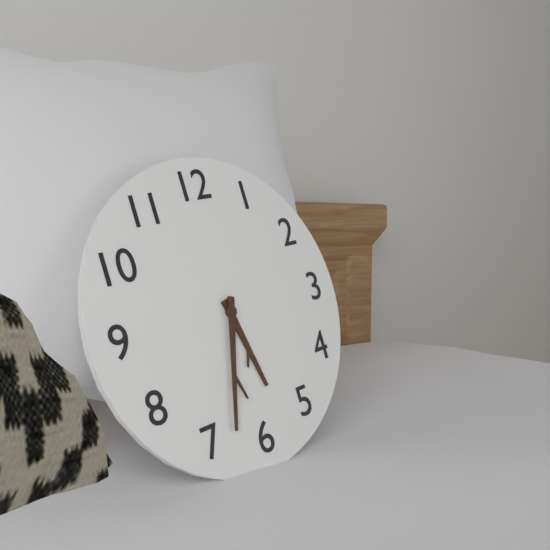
5:33
